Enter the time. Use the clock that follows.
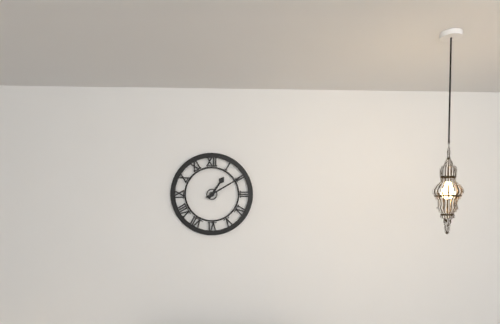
1:10
